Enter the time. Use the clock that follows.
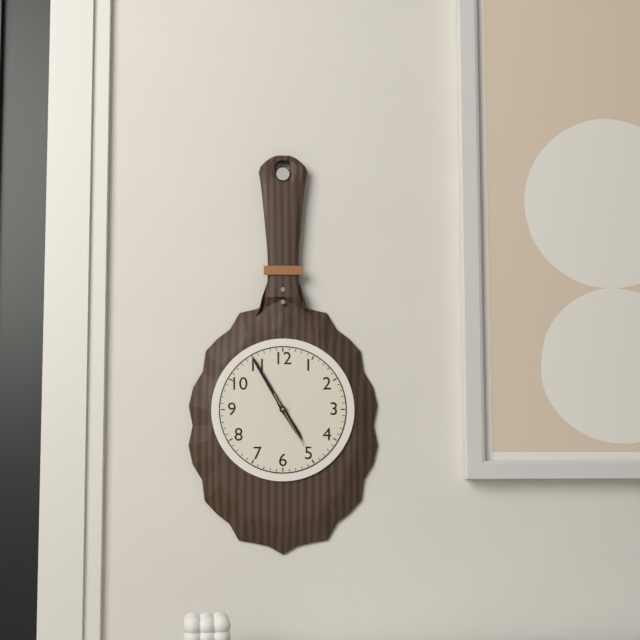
4:55:25
